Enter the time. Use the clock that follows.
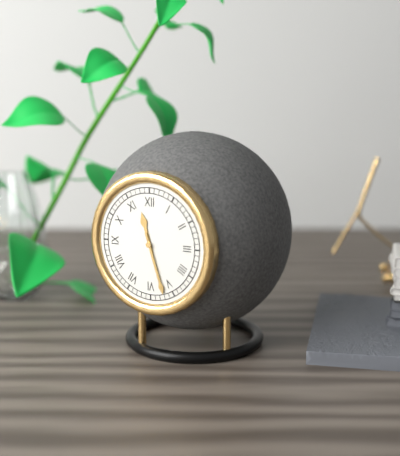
11:27
